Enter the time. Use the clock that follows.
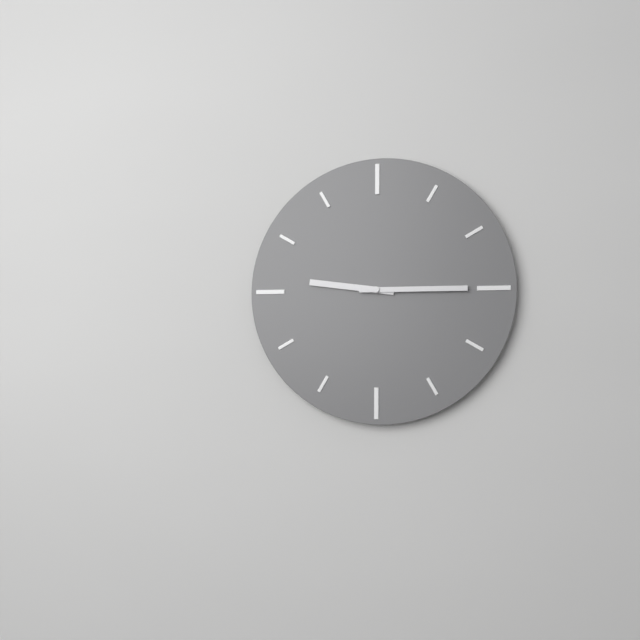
9:15
